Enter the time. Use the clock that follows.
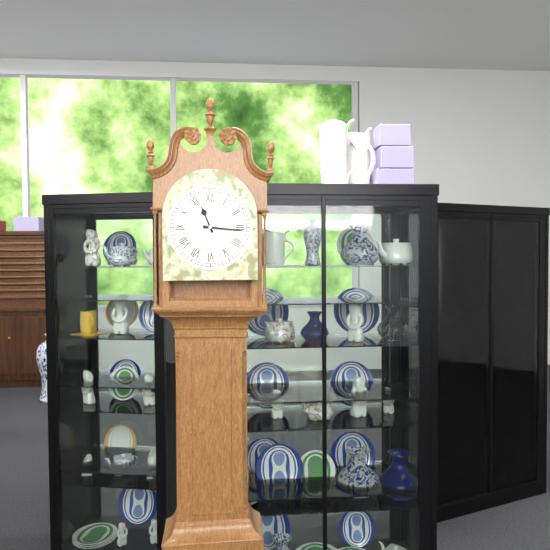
11:16
